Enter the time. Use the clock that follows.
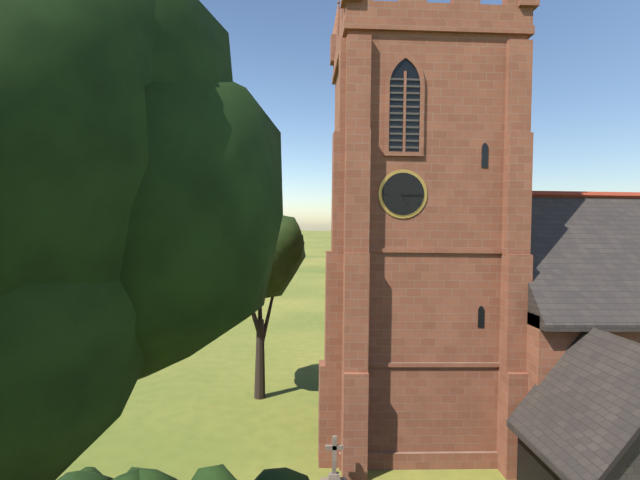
5:15
